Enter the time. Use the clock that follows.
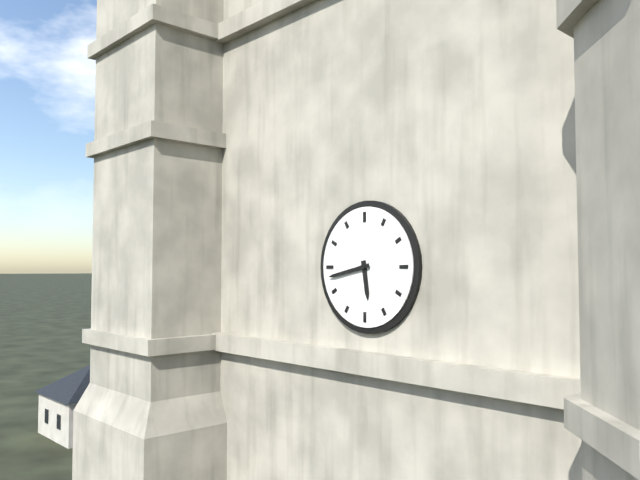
5:43
